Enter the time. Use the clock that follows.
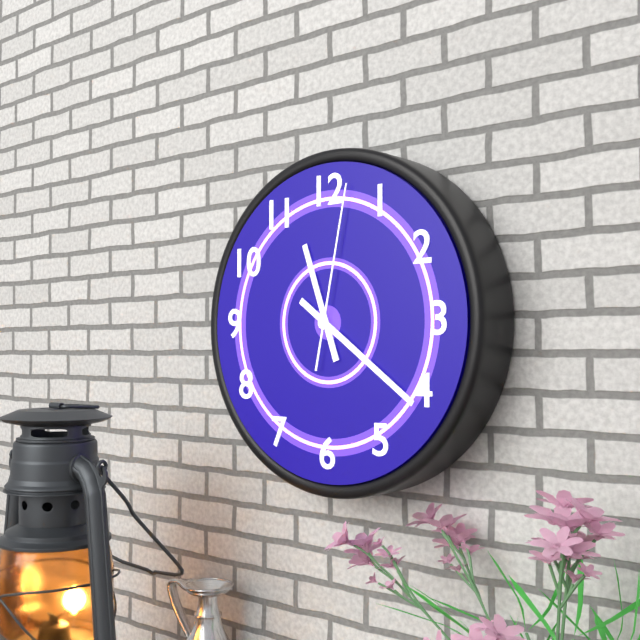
11:21:02
